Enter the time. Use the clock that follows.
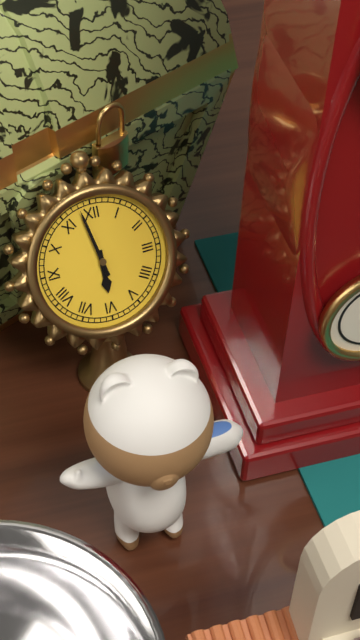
5:58
